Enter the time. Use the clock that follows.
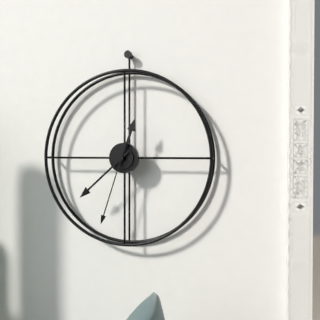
12:38:33
